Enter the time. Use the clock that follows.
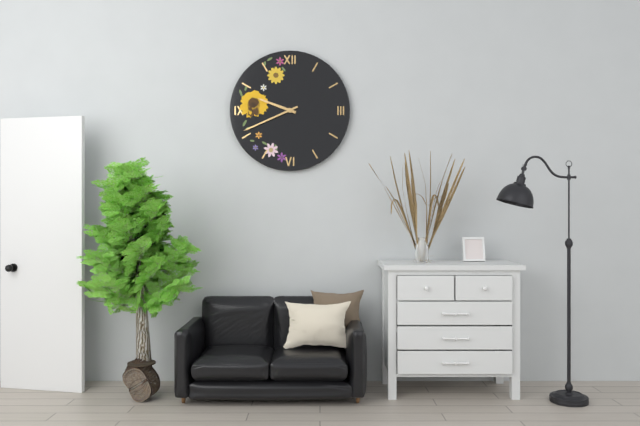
9:41
